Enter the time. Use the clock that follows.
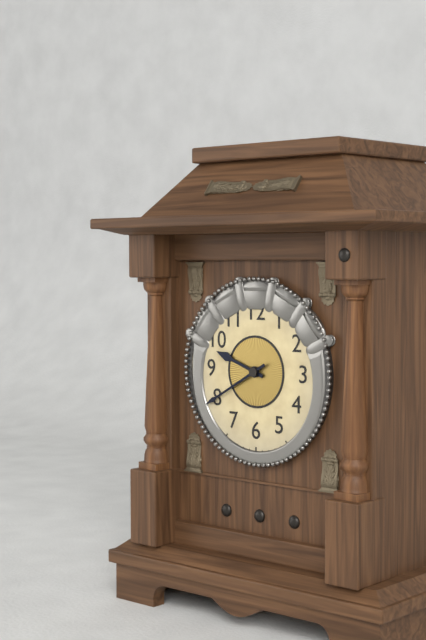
9:40
